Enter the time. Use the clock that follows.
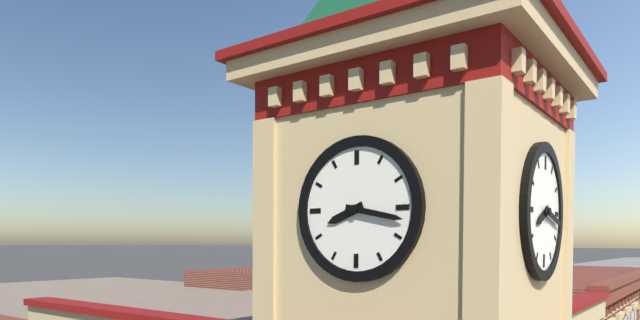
8:17
